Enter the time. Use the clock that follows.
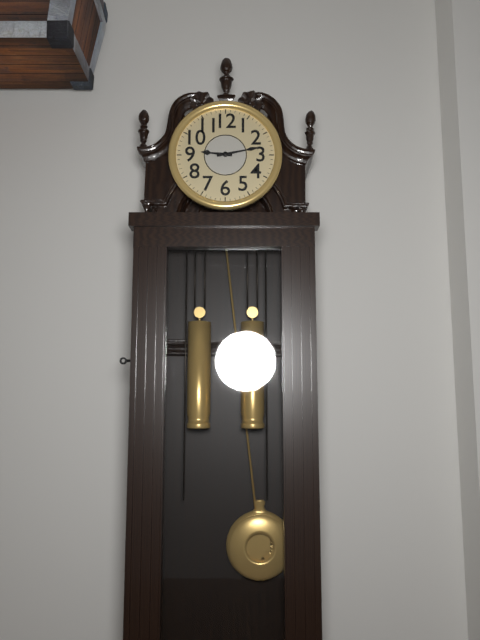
9:13
